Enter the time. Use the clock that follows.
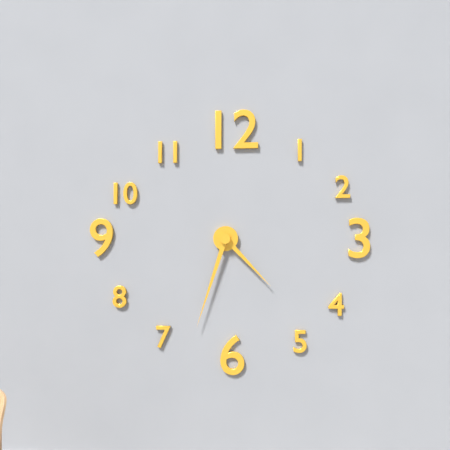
4:33
